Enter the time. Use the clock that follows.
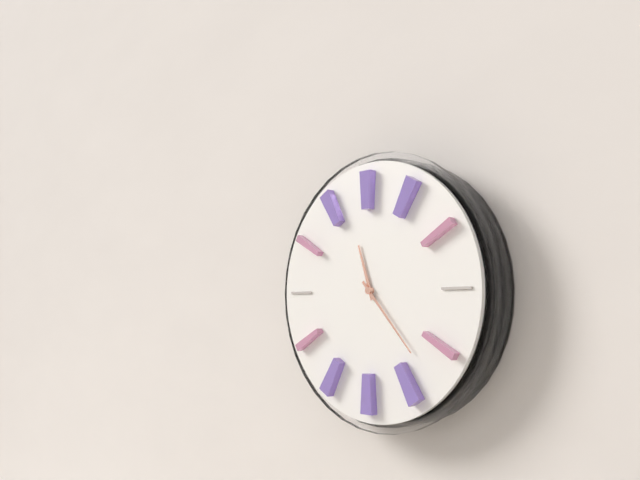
11:23
